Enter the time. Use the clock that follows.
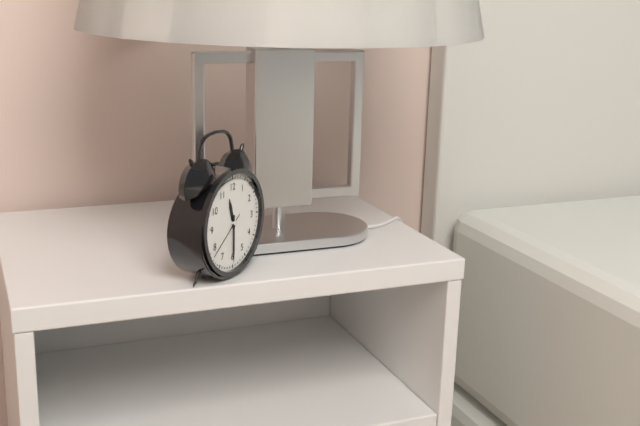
11:30
